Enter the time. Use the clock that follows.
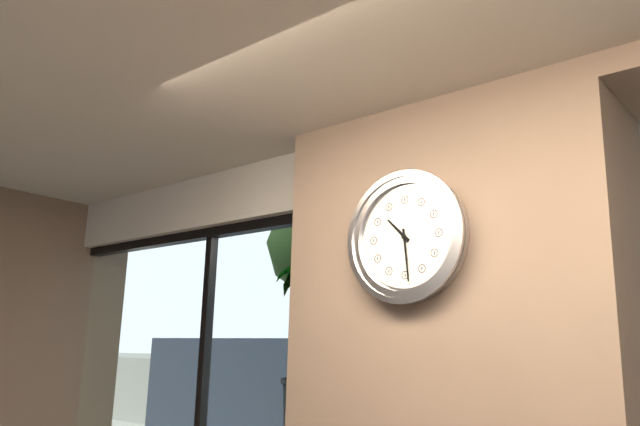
10:29
